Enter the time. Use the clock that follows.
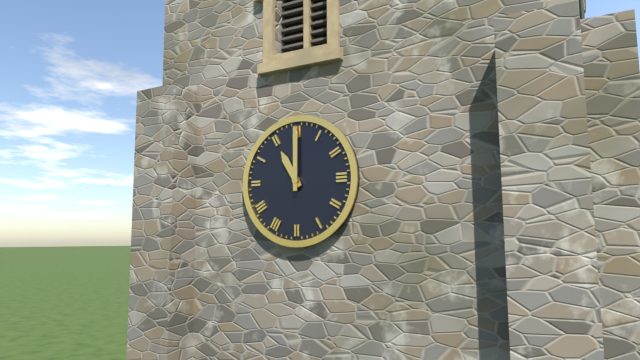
11:00
